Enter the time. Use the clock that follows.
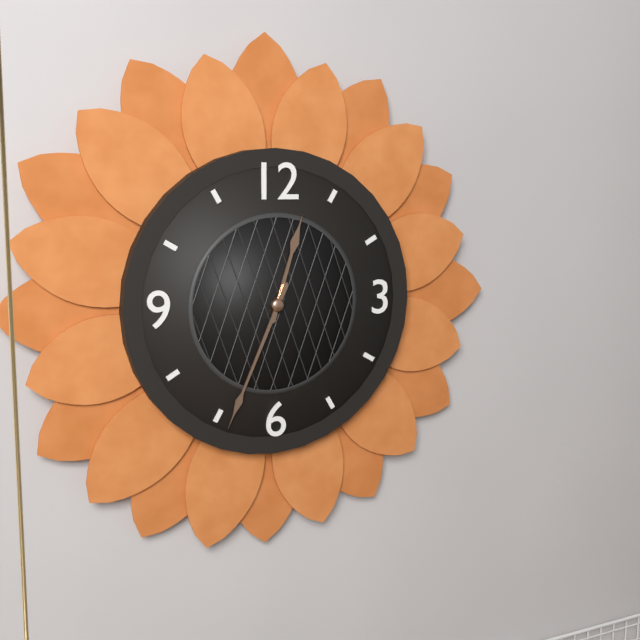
12:34
